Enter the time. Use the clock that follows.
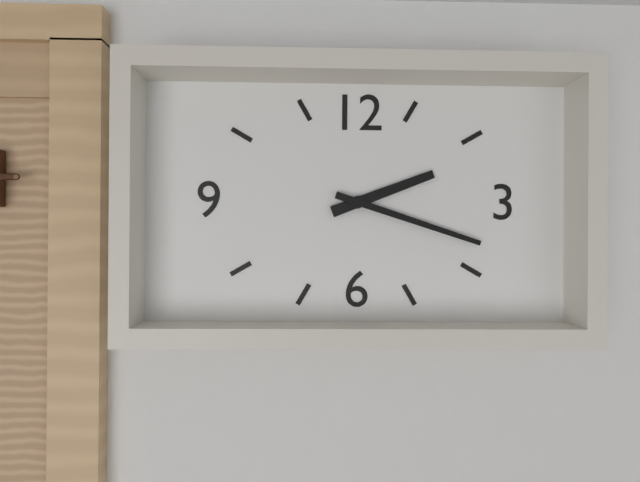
2:18
